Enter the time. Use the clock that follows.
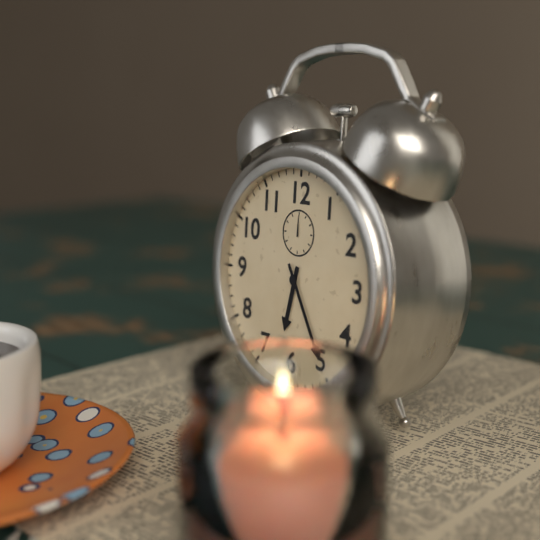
6:25
